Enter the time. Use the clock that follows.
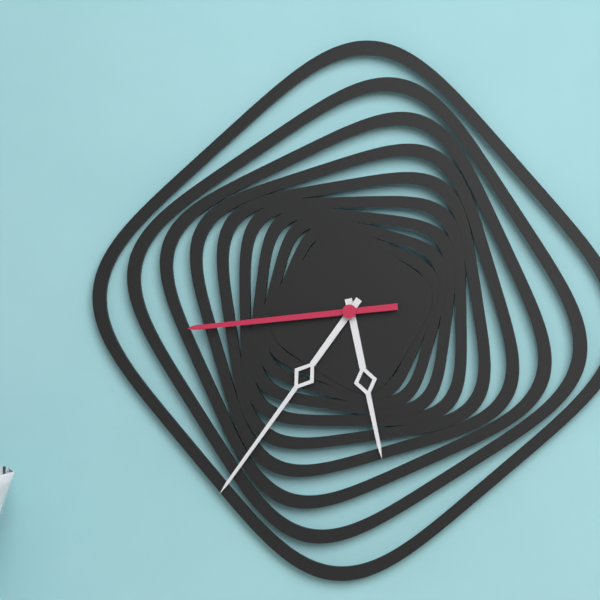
5:36:44
